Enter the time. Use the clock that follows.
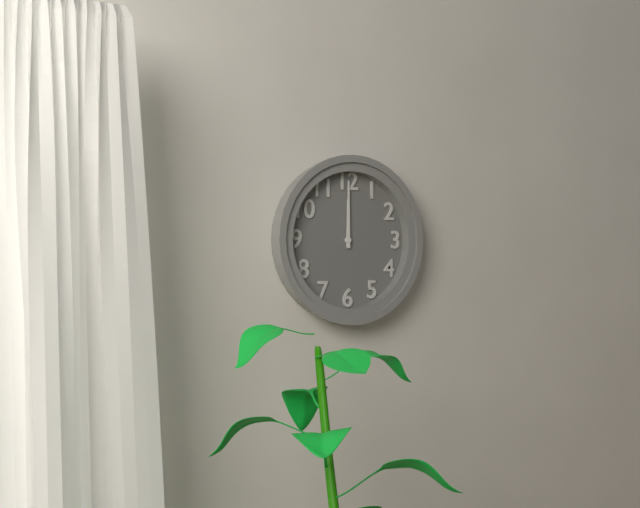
12:00
